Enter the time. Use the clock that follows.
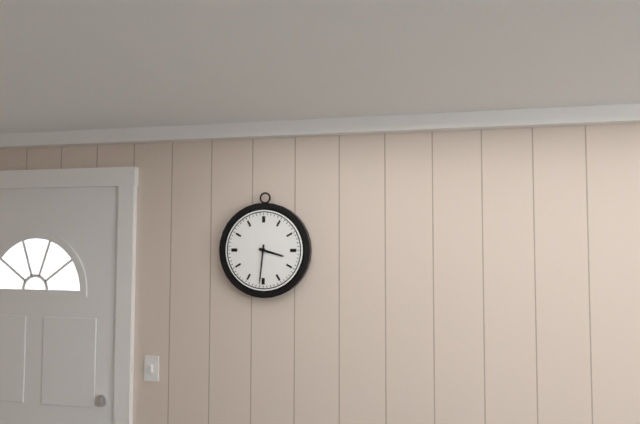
3:31
